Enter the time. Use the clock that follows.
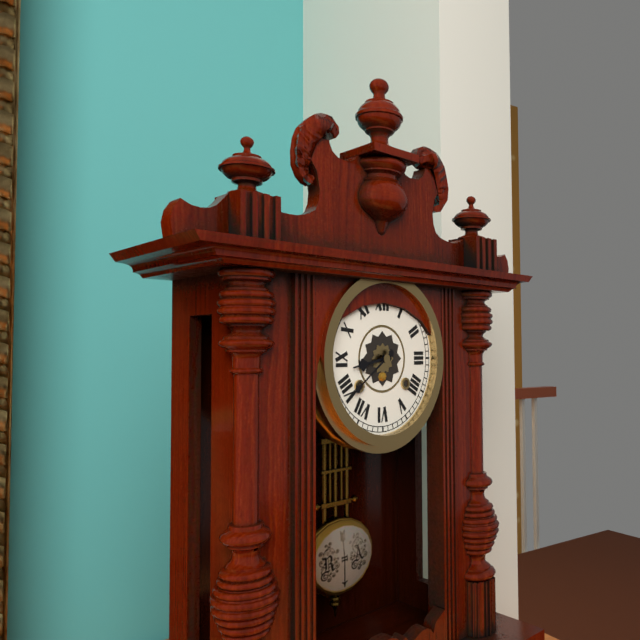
8:39
